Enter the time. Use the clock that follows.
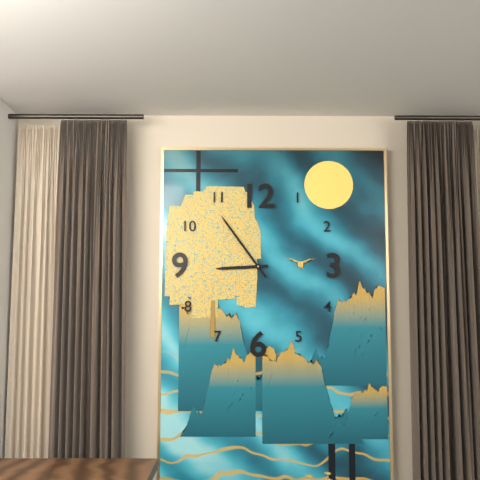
8:54
